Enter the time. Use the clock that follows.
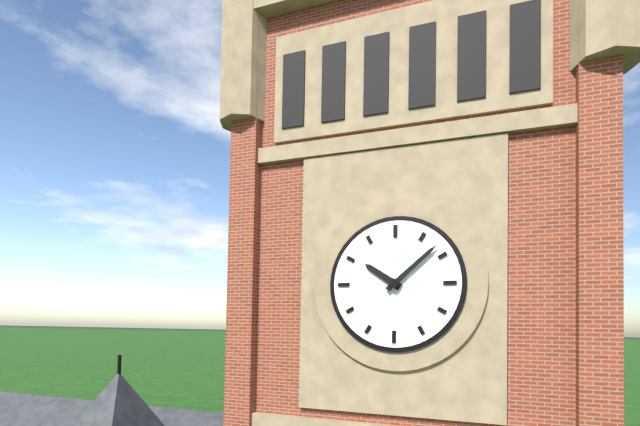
10:08
